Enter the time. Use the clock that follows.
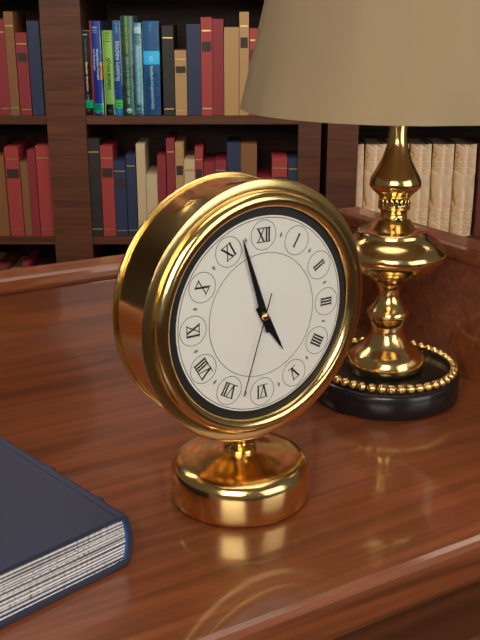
4:57:33
